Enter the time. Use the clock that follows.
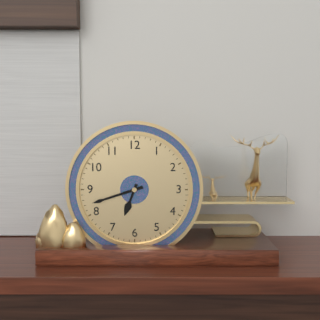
6:42
